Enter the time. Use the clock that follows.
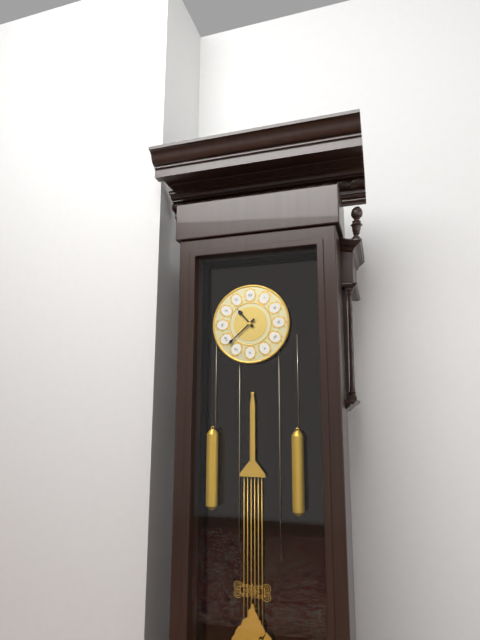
10:38
